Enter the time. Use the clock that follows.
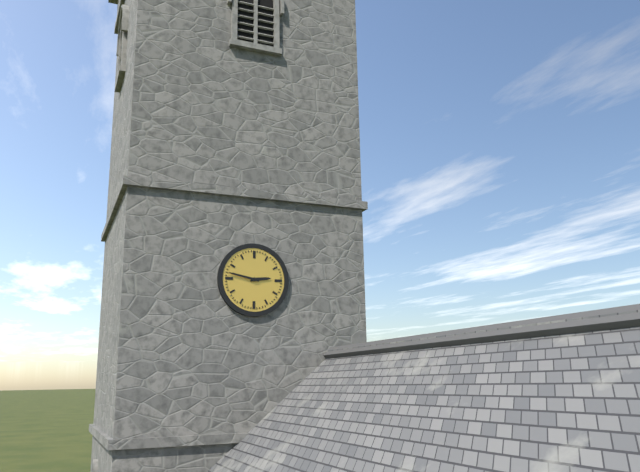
2:47
